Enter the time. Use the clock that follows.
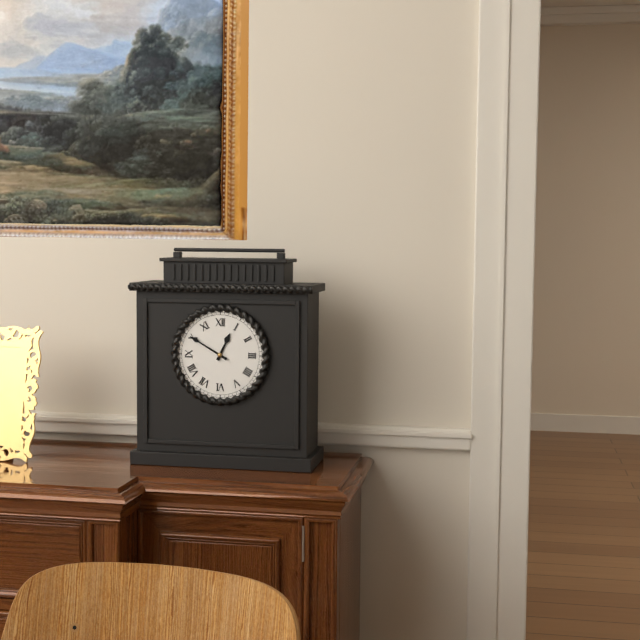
12:50
